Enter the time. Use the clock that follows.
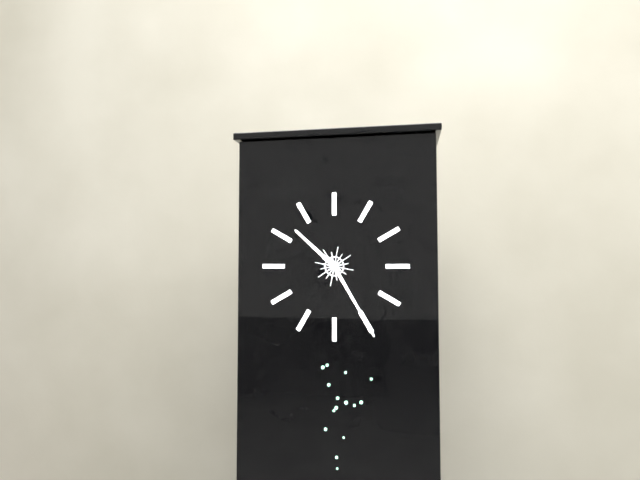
10:25
